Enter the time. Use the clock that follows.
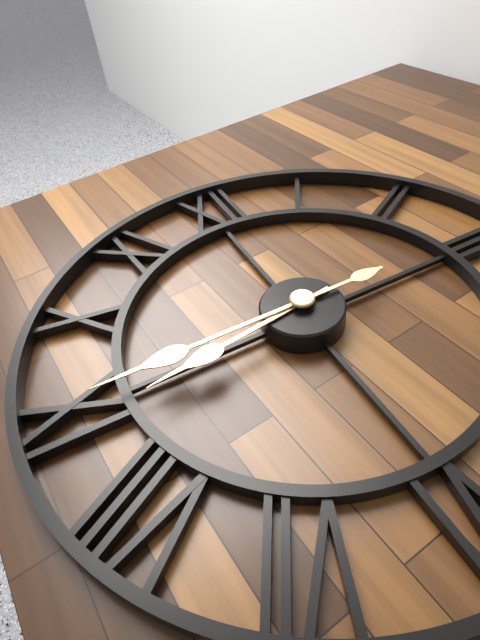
8:45
